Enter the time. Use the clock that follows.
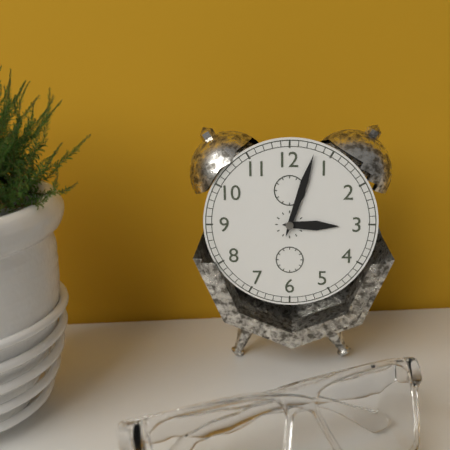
3:03
